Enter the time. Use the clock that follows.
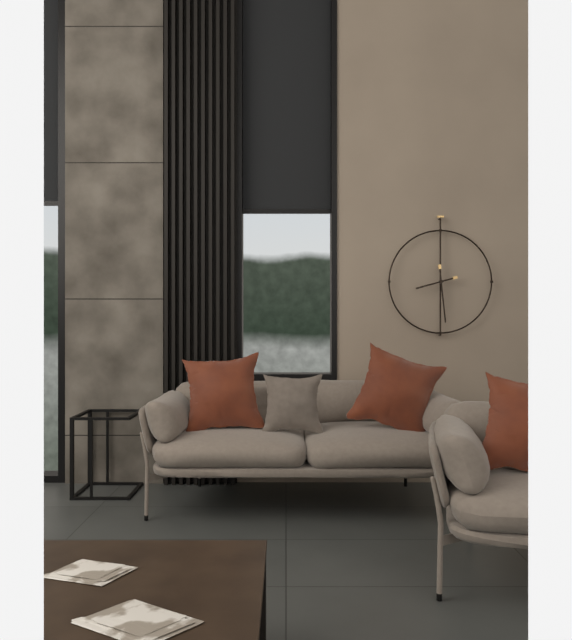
8:29
